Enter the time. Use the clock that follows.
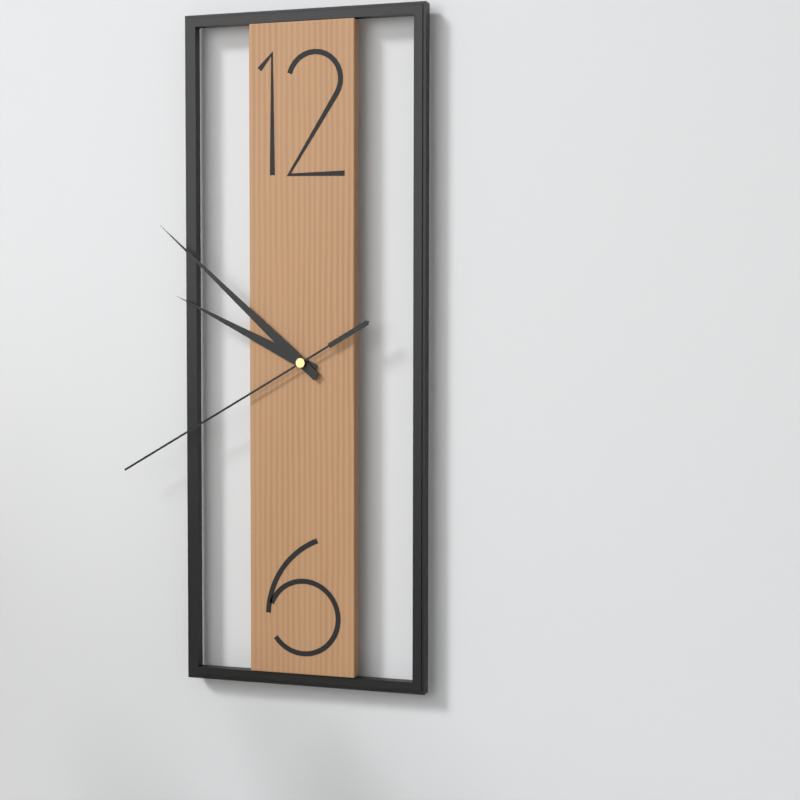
9:52:40
